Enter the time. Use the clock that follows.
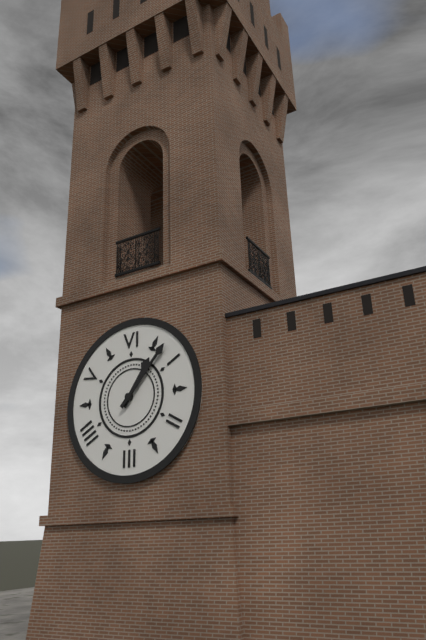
1:07
